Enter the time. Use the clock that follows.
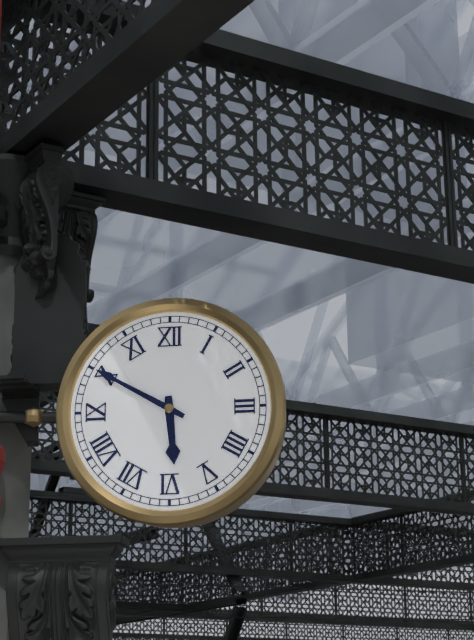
5:50
